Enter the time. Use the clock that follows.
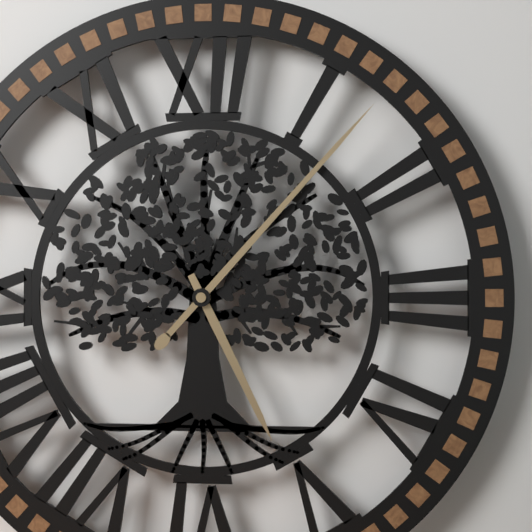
5:07
